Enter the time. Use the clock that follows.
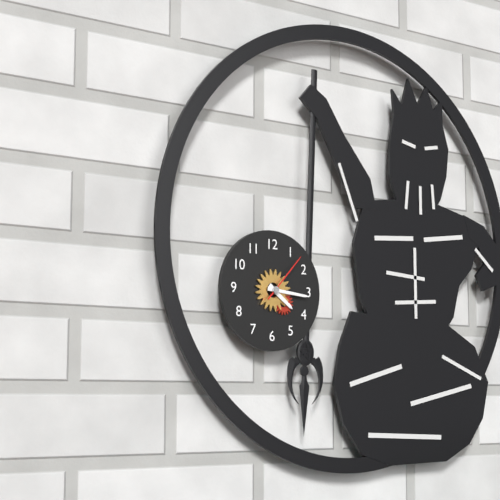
4:16:07
